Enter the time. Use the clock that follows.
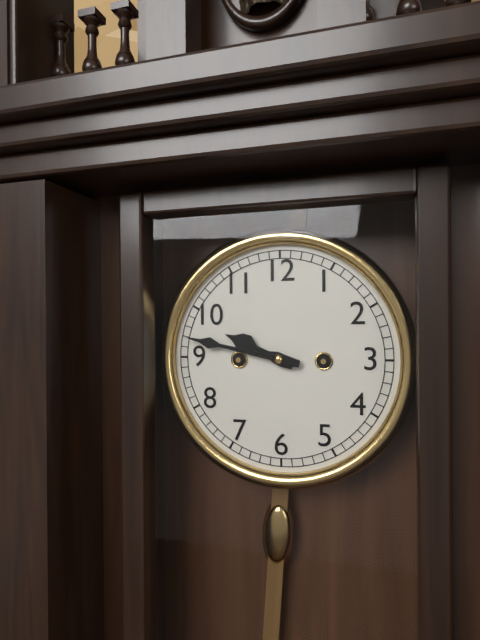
9:47
